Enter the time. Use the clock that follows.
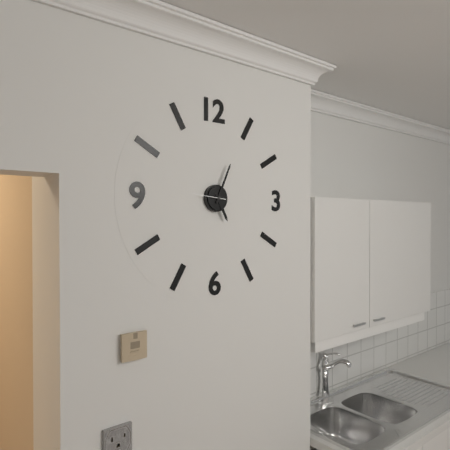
5:04
